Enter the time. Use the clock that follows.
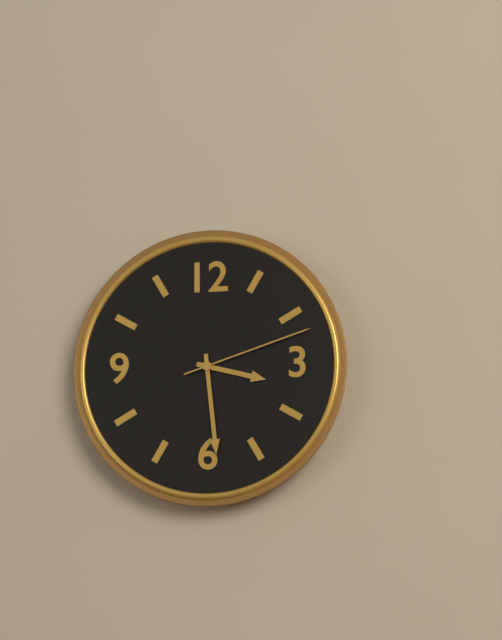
3:29:12
